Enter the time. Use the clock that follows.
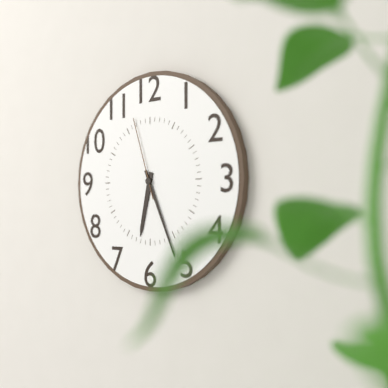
6:26:57
